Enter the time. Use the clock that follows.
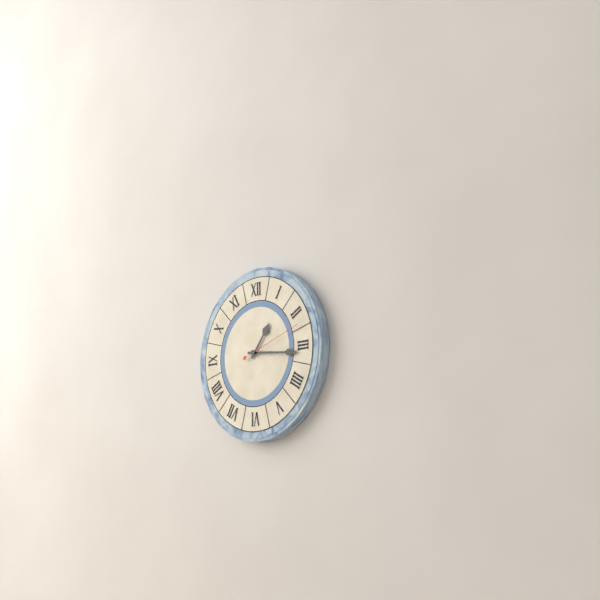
1:16:12
